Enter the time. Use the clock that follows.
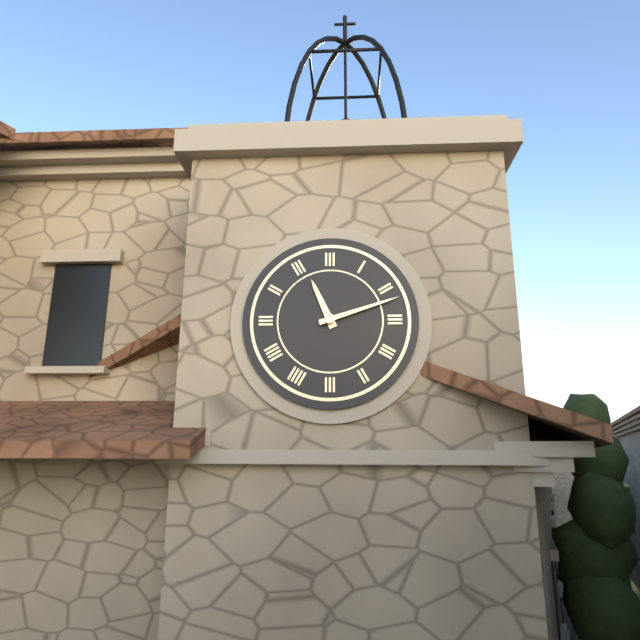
11:12
